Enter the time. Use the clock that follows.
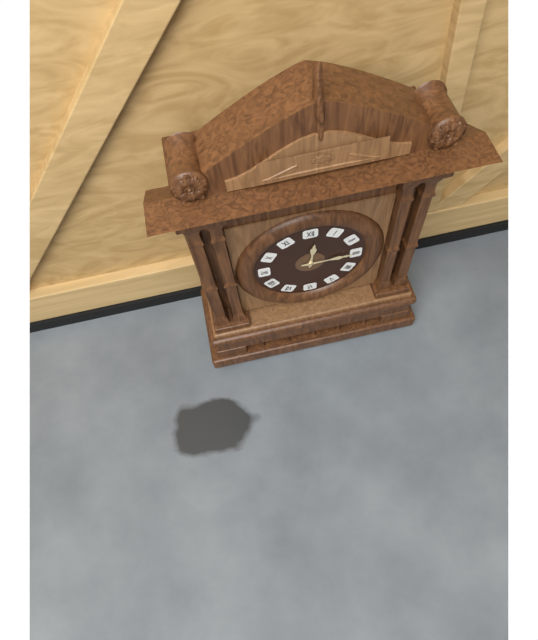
12:15
